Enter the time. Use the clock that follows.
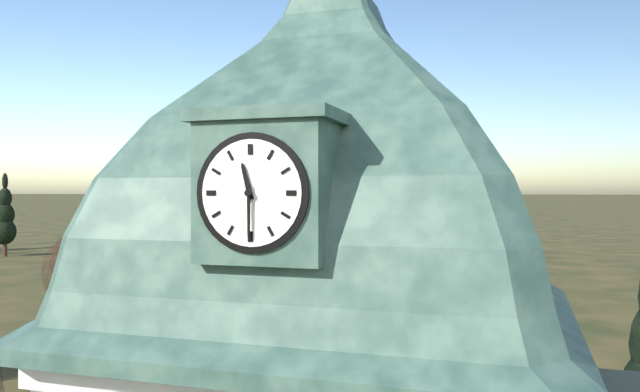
11:30
